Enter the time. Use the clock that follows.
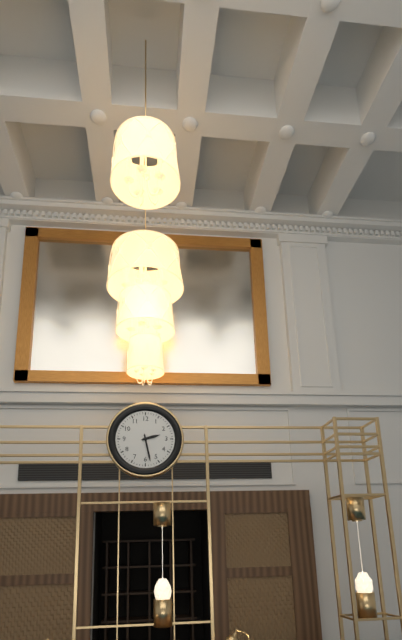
2:28
